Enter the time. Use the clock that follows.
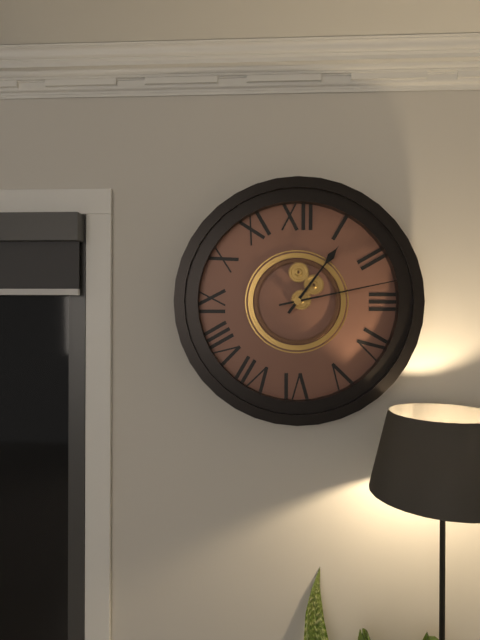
1:13
